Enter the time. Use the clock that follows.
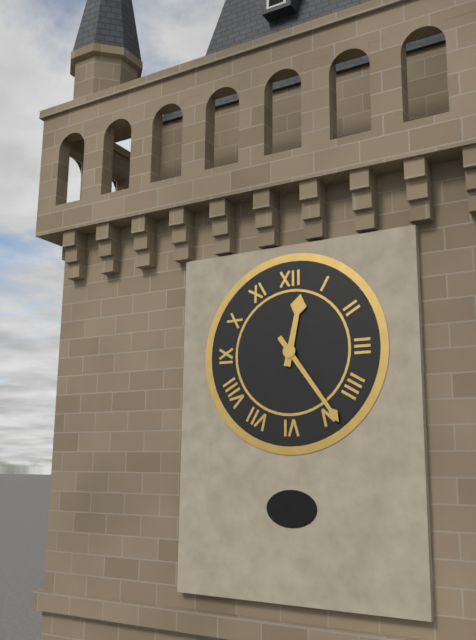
12:24
